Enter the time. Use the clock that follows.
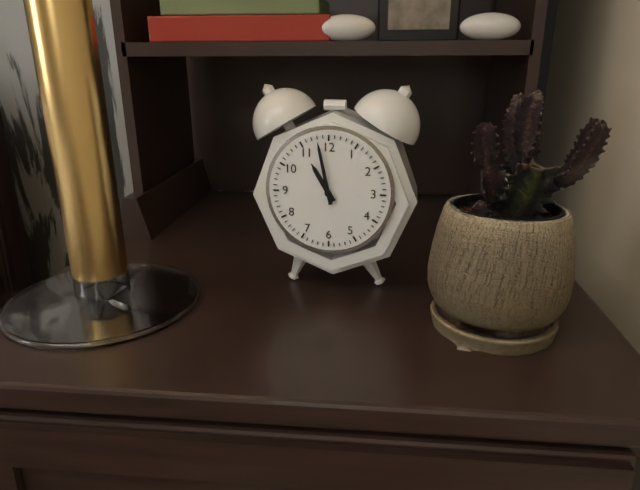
10:58
